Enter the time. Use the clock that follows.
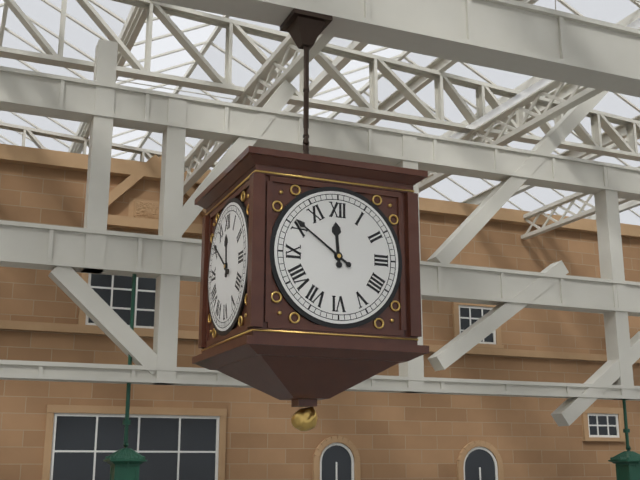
11:51
